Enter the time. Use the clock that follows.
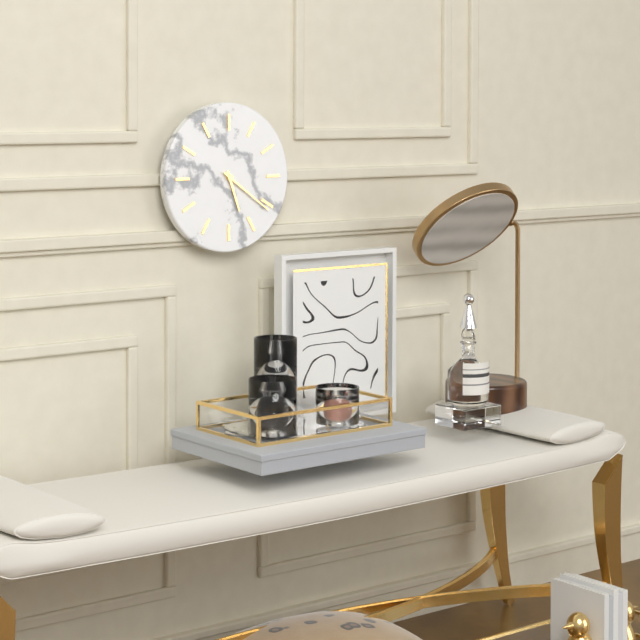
5:21
